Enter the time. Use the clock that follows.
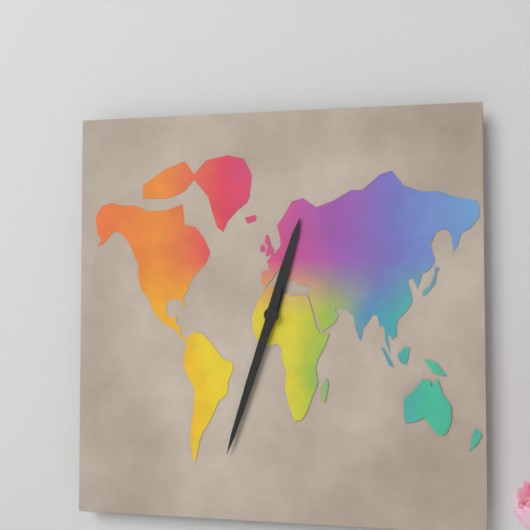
12:33
